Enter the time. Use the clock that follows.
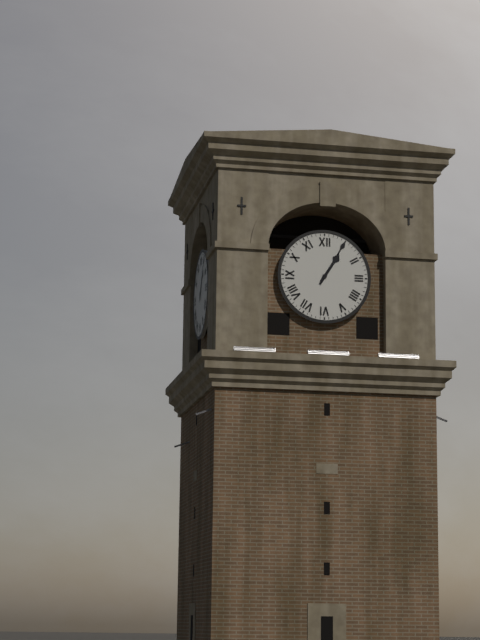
1:05
